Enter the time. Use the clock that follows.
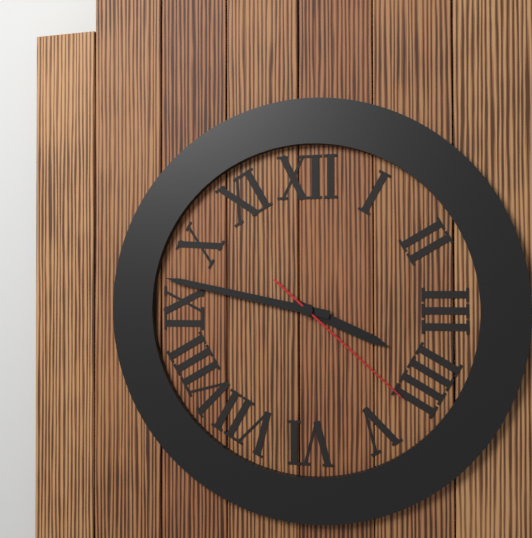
3:47:22
